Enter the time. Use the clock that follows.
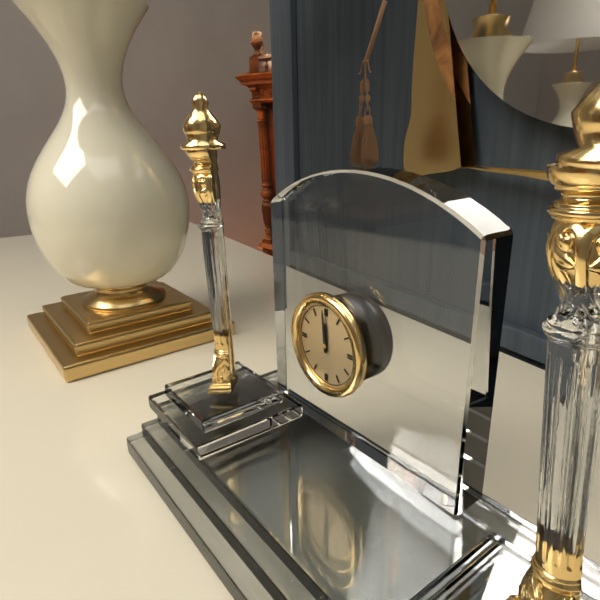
11:59
